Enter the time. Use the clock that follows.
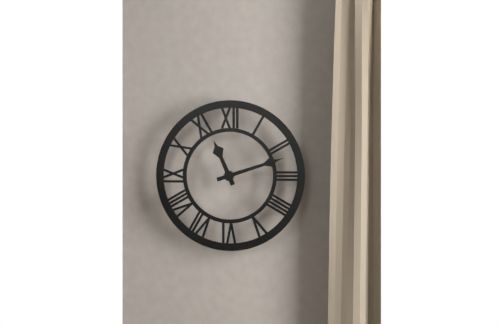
11:12
